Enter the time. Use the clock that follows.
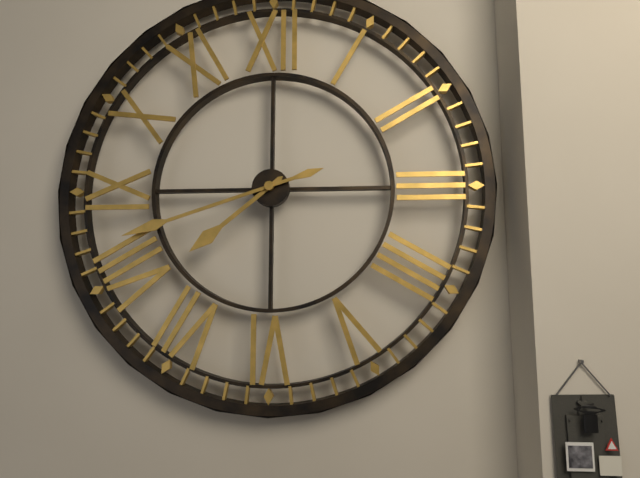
7:42
